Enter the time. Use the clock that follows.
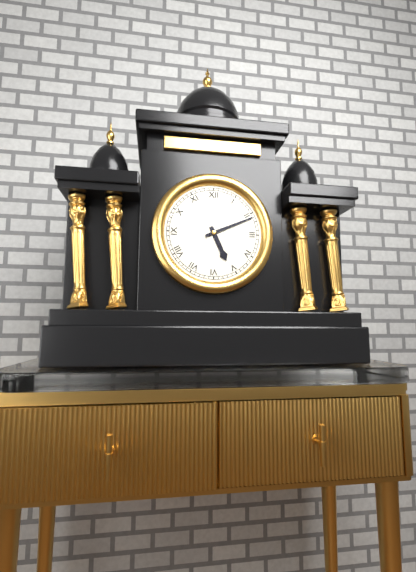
5:11
